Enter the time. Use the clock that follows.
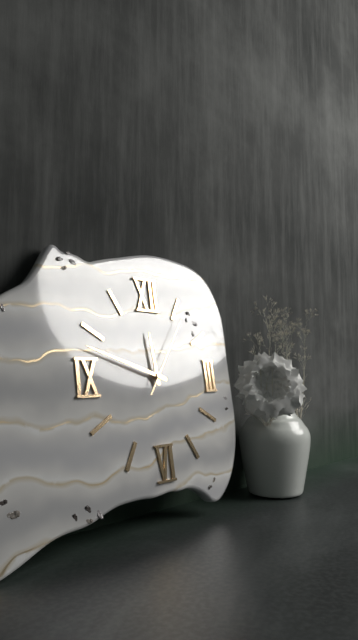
11:48:06
